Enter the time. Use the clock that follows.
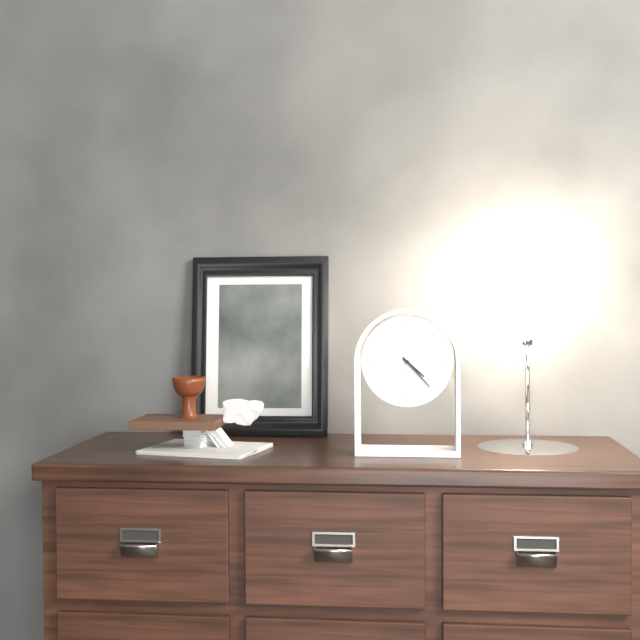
4:23
